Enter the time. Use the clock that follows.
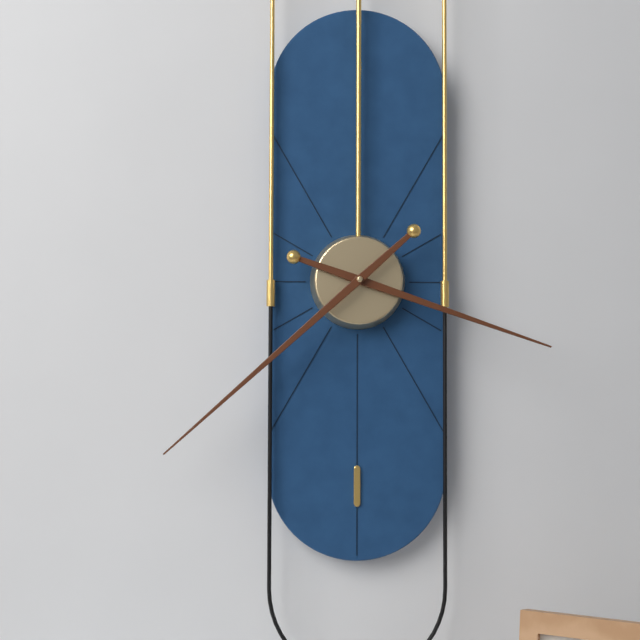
3:38
